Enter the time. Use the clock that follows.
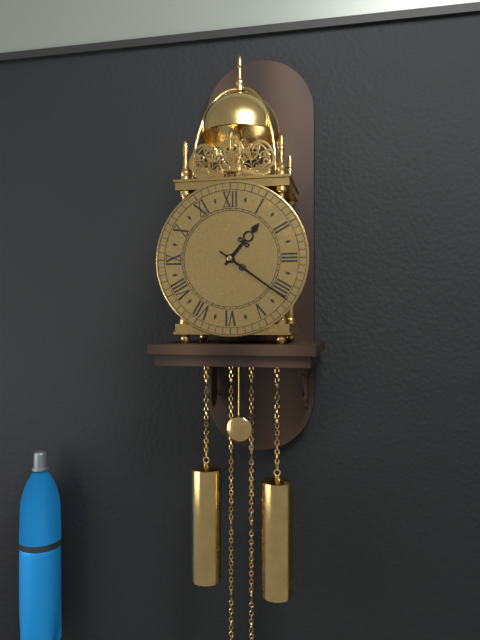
1:21
